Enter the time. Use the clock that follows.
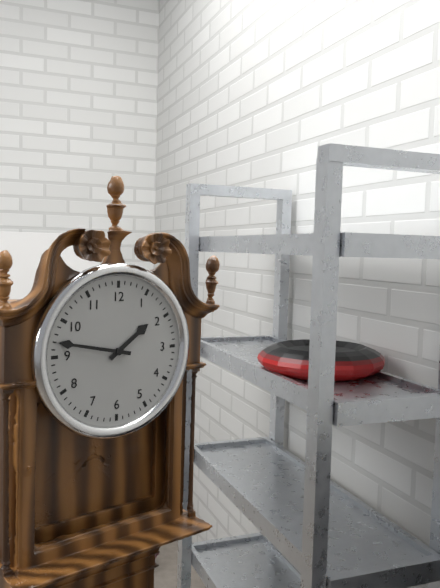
1:47
